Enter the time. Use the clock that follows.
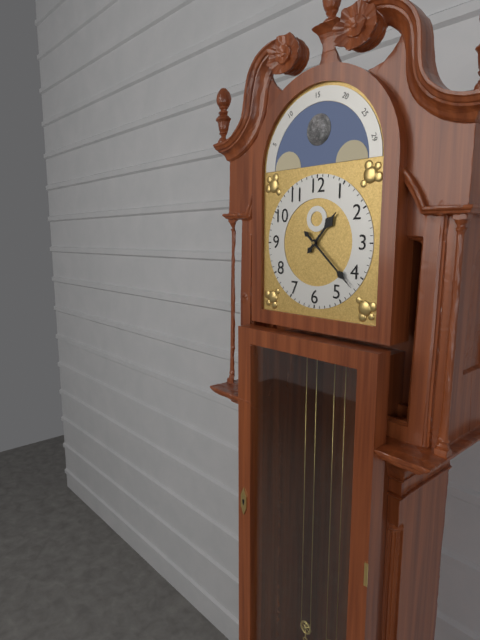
1:22
